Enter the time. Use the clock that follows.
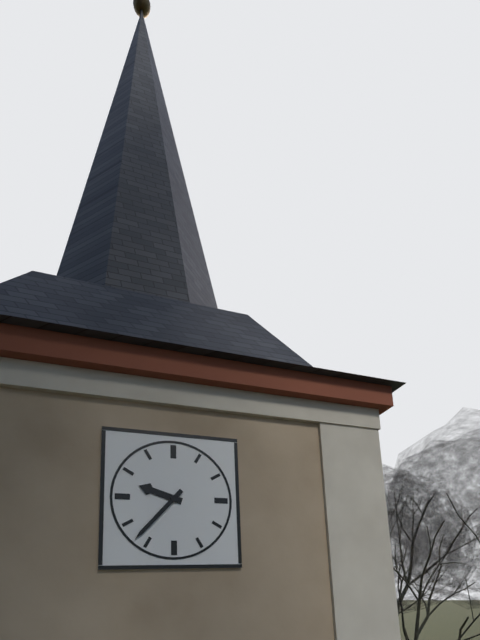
9:37
